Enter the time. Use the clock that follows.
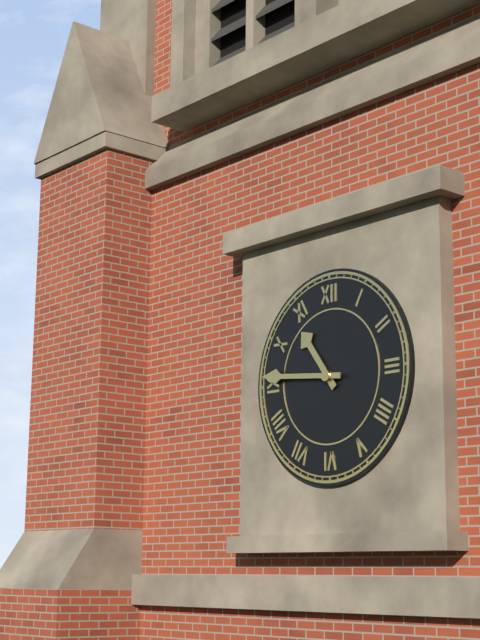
10:46
